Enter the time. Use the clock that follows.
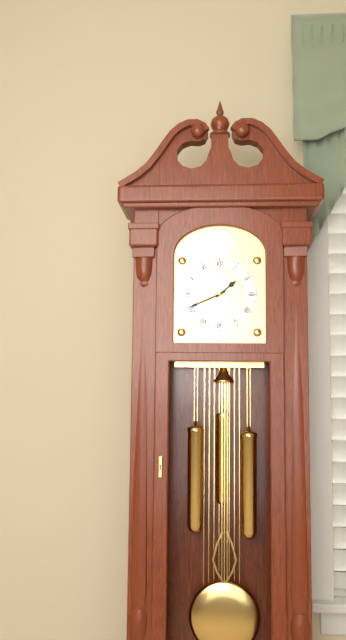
1:41
